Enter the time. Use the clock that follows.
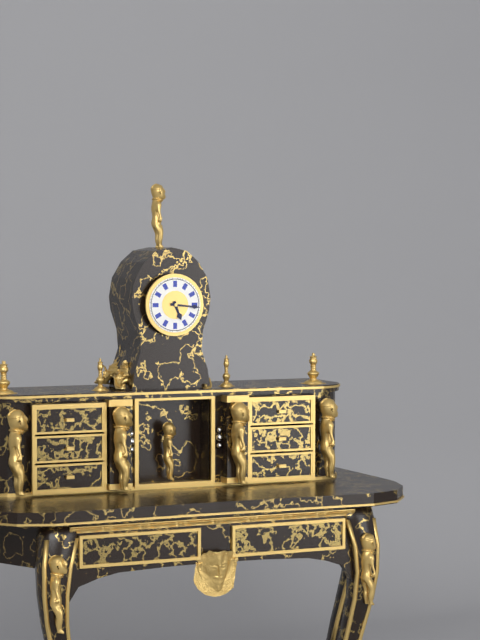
5:16
